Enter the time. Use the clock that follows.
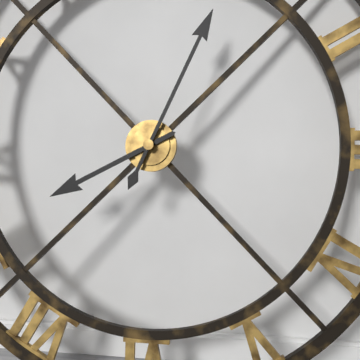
8:04
